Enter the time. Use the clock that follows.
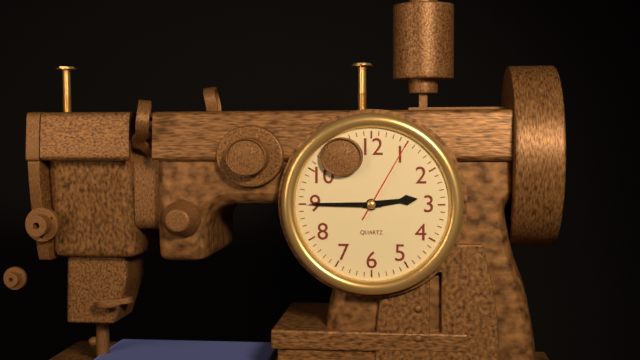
2:45:05
